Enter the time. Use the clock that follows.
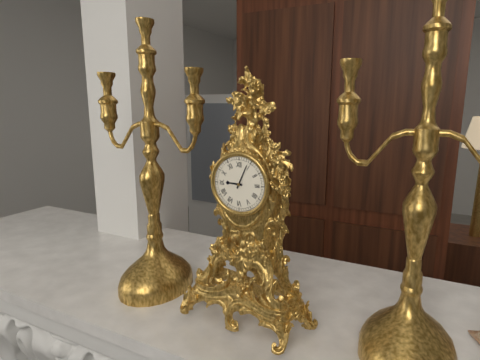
9:04
